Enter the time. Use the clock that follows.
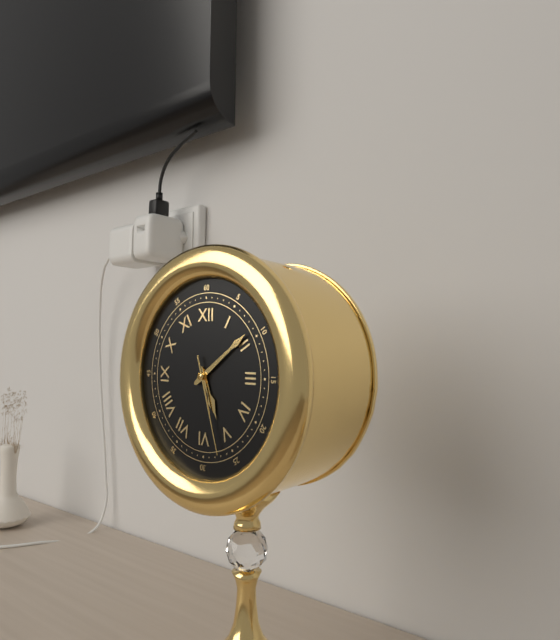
5:09:27
